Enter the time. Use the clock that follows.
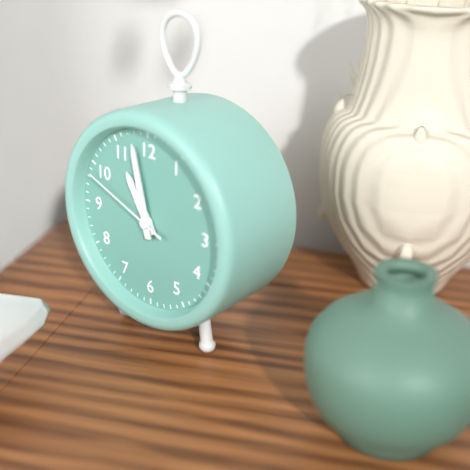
10:58:49
